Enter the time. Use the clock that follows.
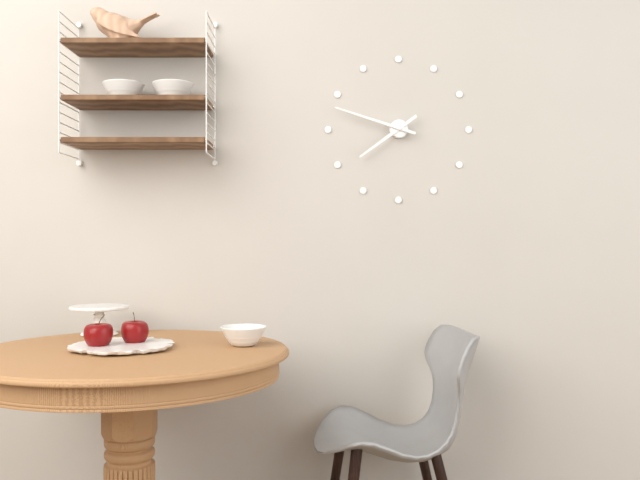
7:48
